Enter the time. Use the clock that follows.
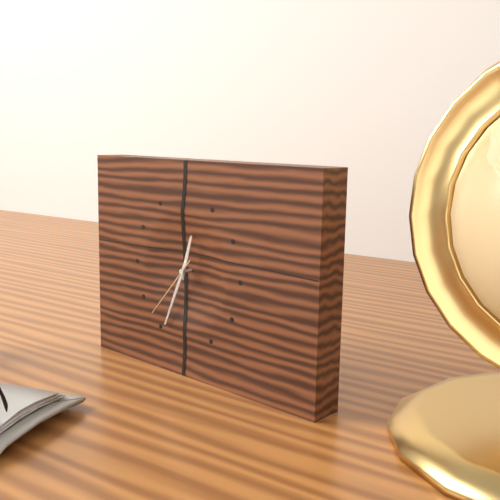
12:34:37
